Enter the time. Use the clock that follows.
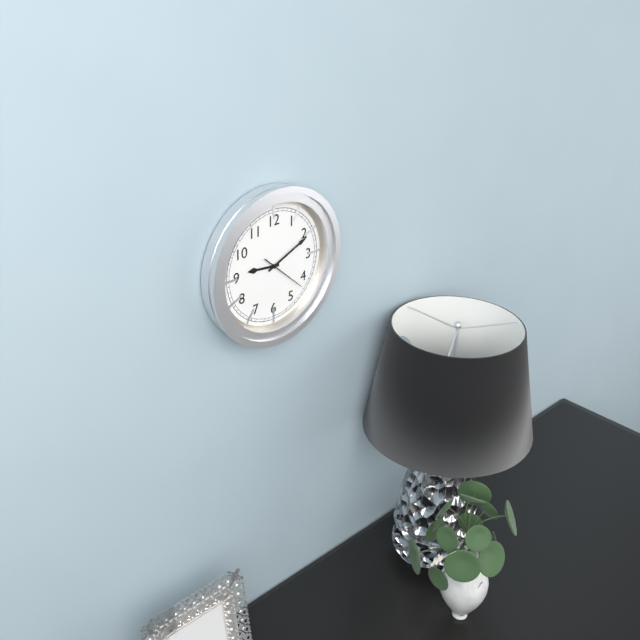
9:11:22
